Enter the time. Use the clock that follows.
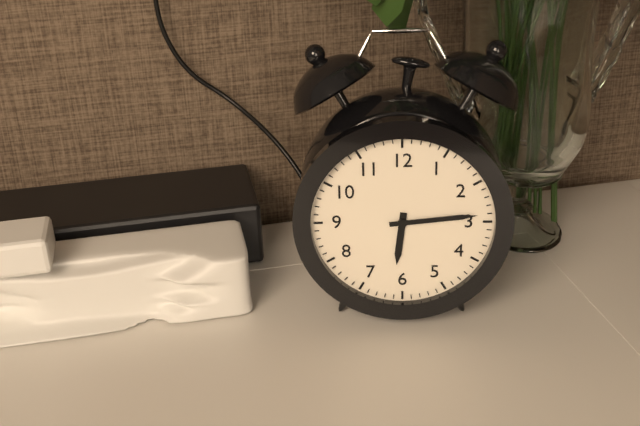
6:14
